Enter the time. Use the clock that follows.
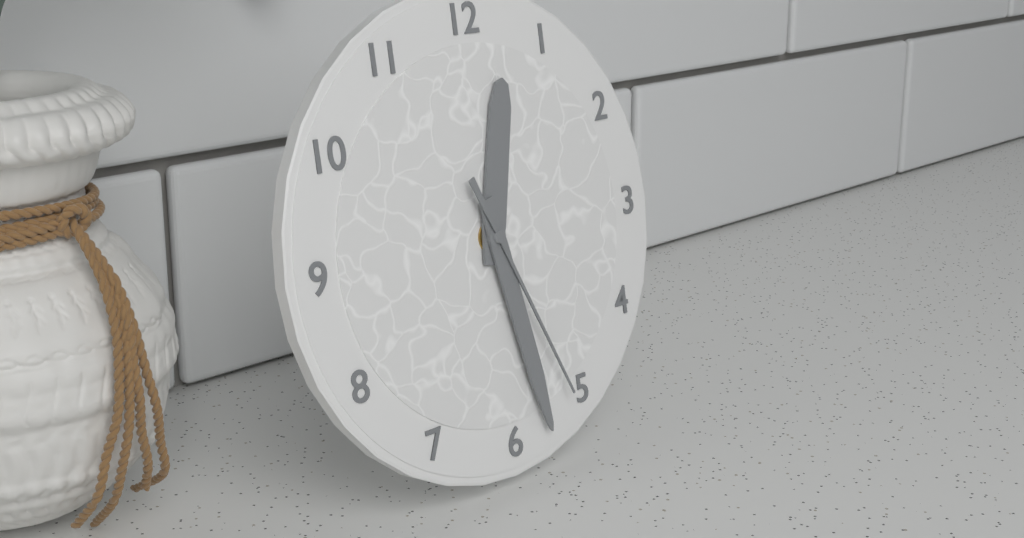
12:28:26
